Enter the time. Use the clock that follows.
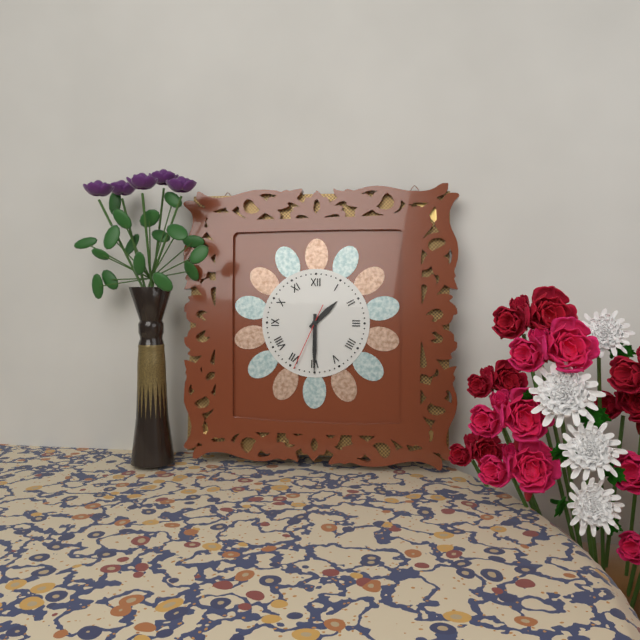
1:30:34
